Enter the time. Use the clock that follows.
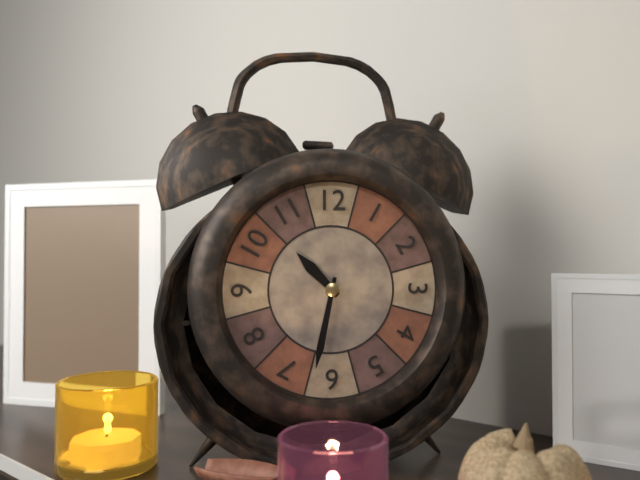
10:32
